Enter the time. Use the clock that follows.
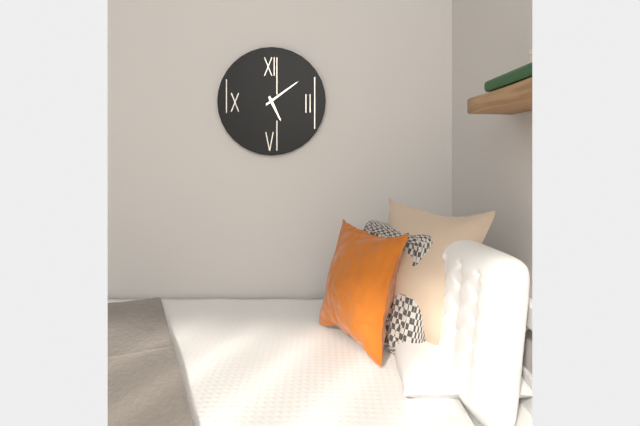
5:09
